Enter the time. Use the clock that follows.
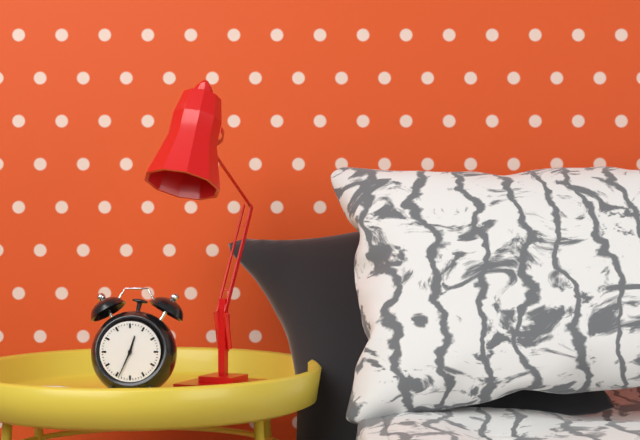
12:34
